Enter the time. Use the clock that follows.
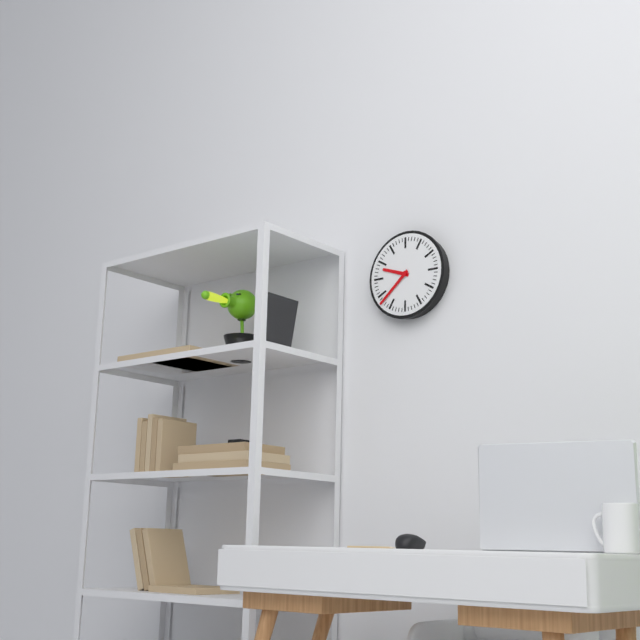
9:38
